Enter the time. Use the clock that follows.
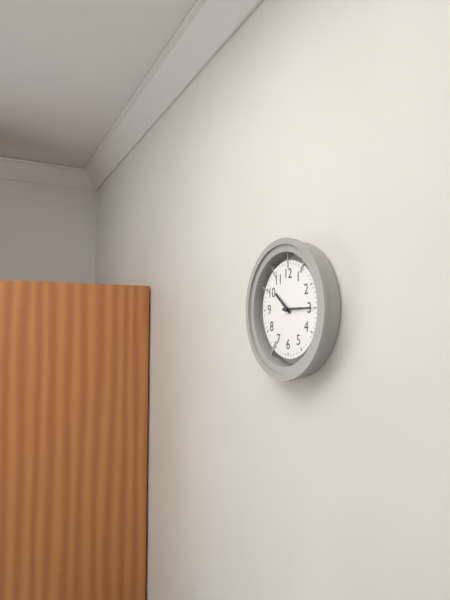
10:15
